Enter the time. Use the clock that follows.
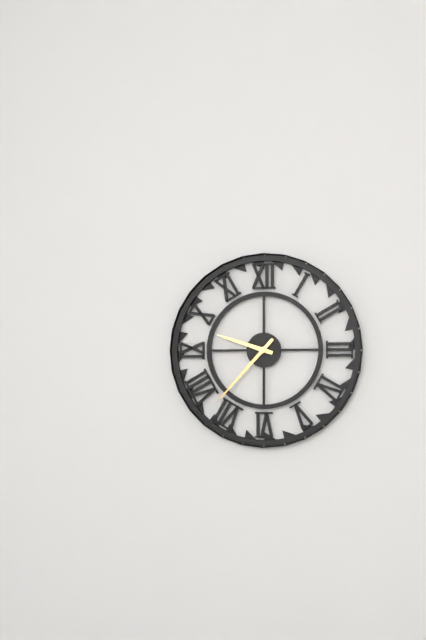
9:37
